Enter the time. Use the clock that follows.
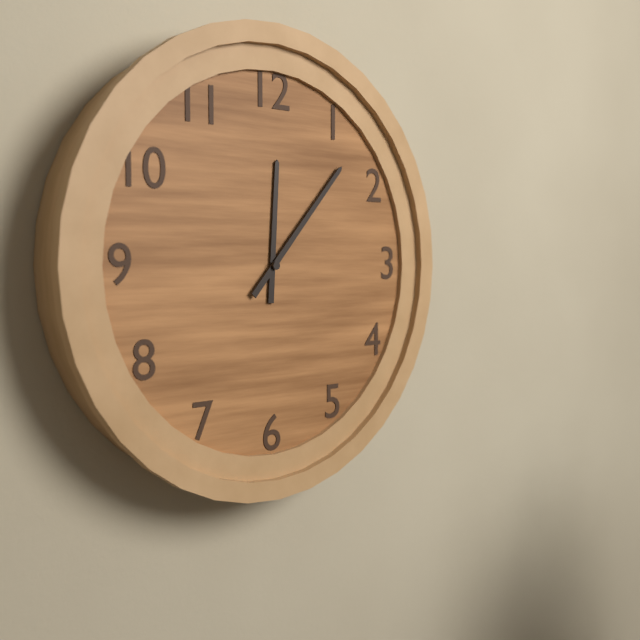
12:07
